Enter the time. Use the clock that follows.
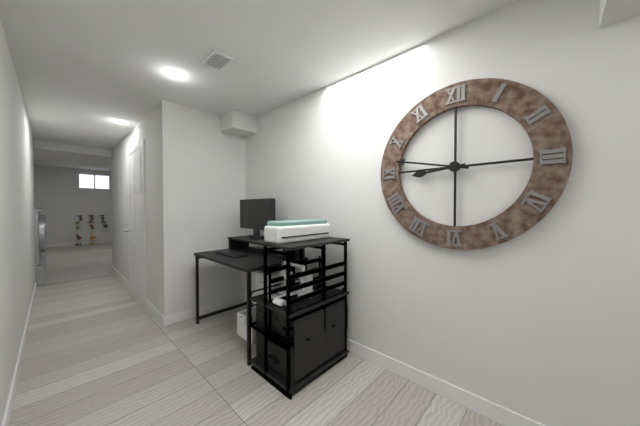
8:47
